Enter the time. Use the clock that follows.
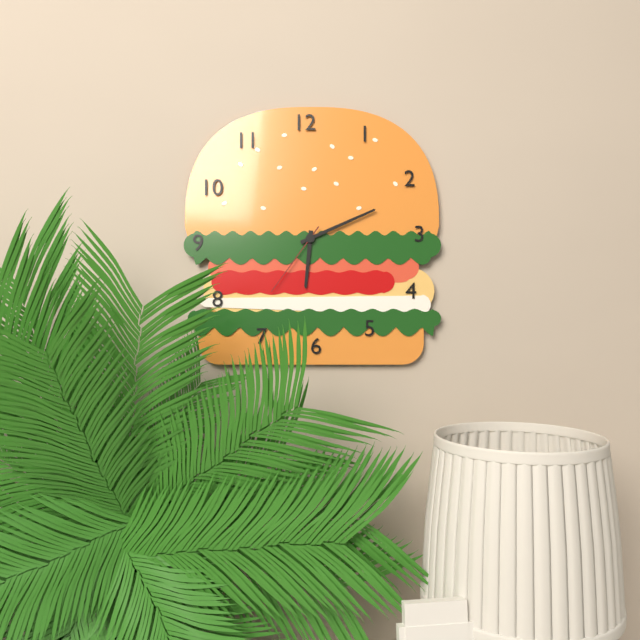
6:11:36
